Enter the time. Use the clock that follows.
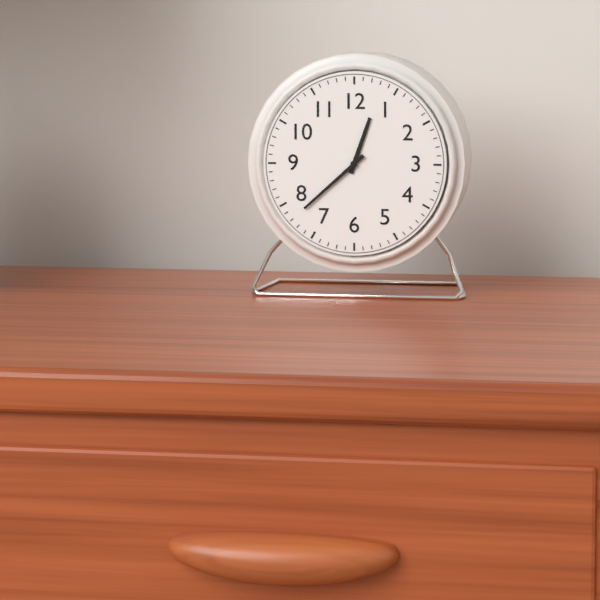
12:38
